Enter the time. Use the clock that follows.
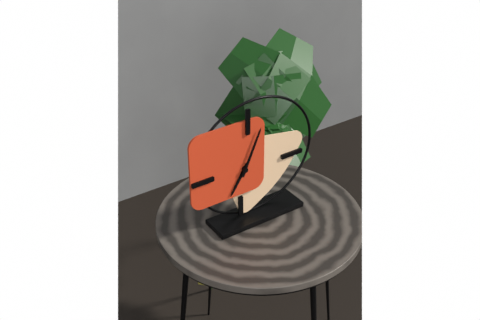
7:04
